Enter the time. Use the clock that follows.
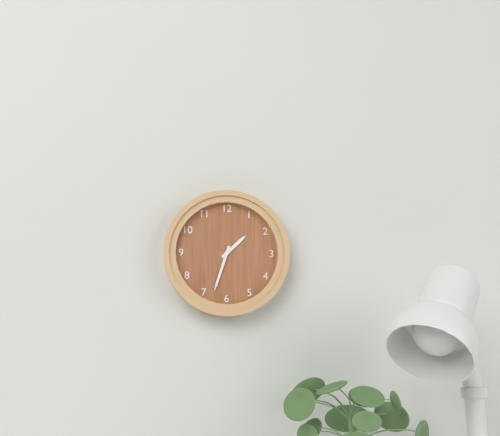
1:33
